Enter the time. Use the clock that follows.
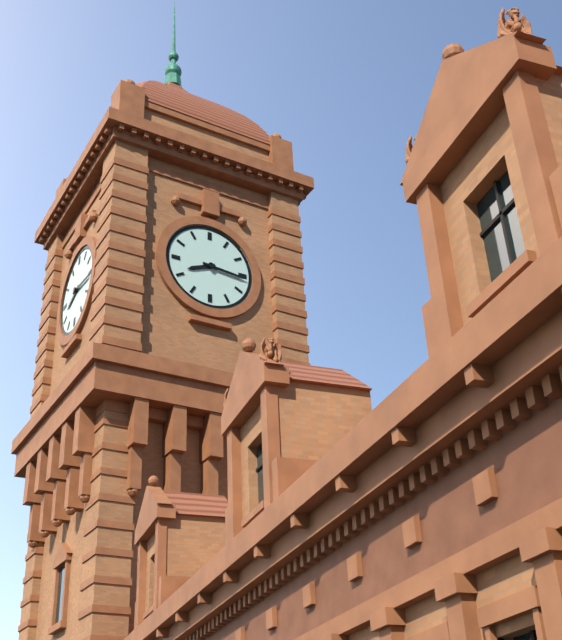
8:16
